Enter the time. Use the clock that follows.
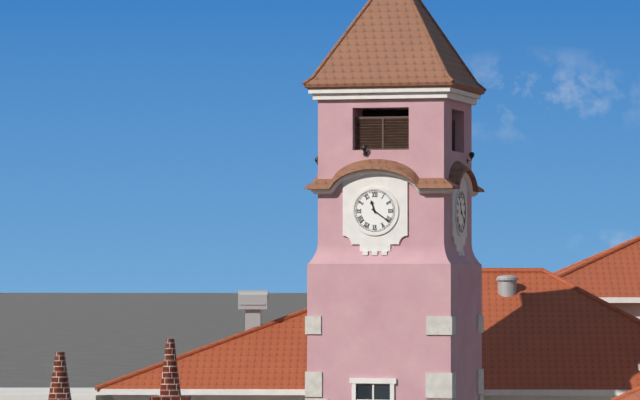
11:21
